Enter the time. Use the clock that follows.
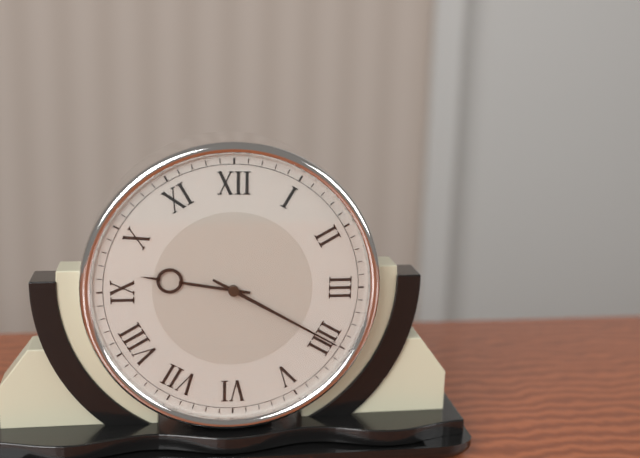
9:20
